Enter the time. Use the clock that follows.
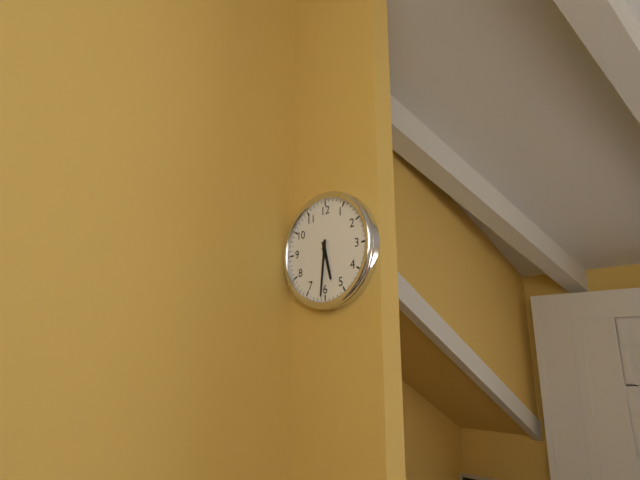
5:31
